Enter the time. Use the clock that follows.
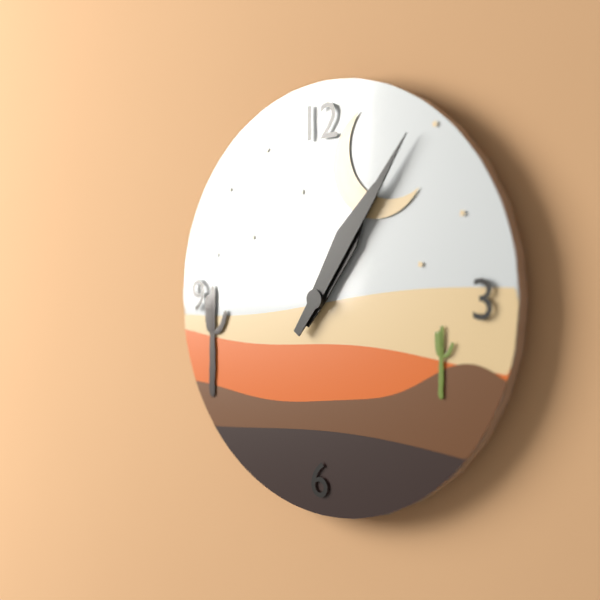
1:06
